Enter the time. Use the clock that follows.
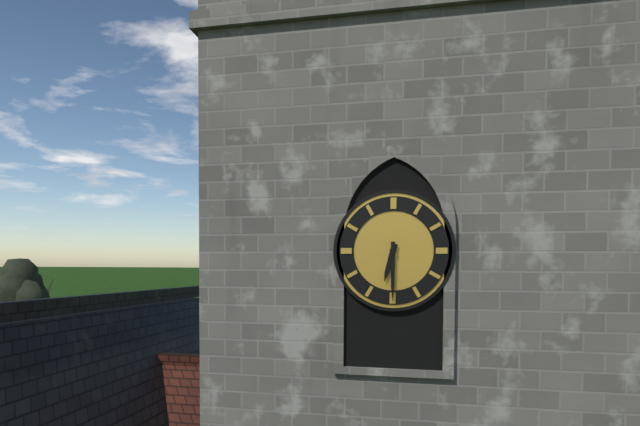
6:30
